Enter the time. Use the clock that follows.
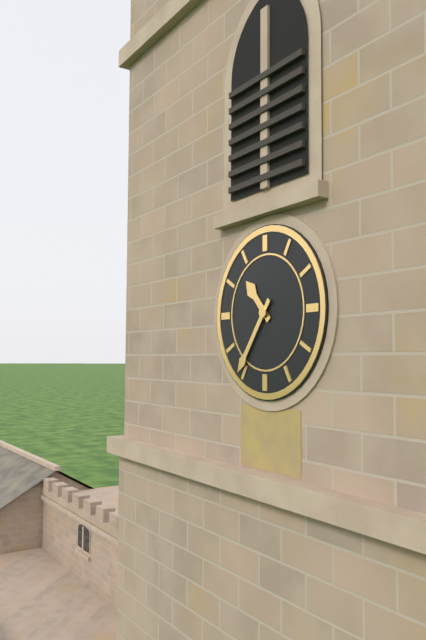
10:36
